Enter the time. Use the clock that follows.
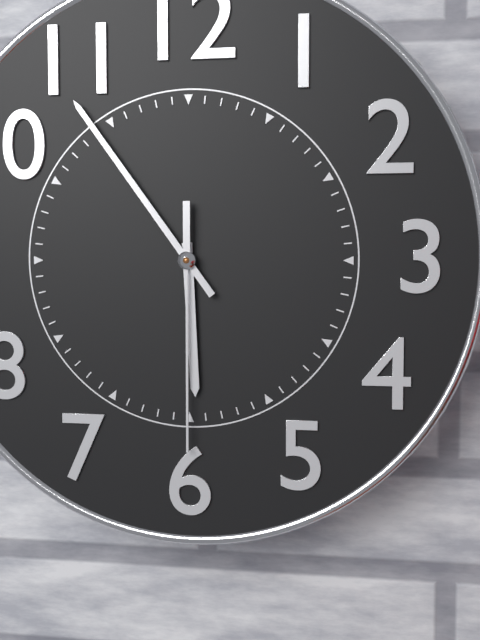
5:54:30
